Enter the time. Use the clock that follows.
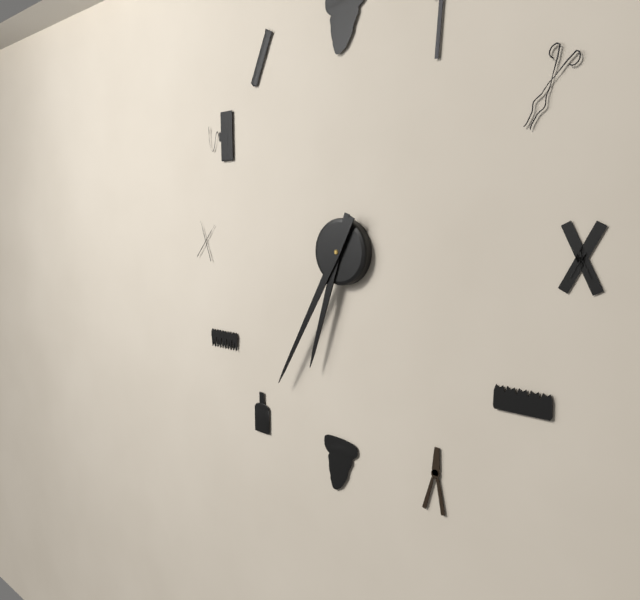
6:35
